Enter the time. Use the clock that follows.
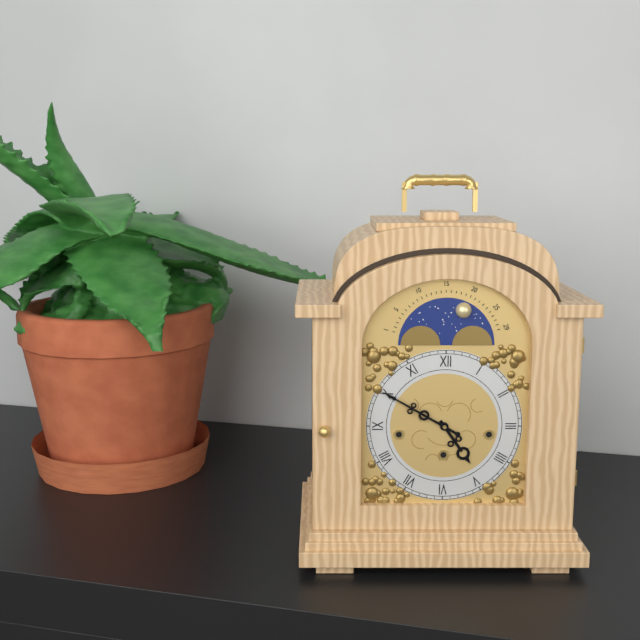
4:50
